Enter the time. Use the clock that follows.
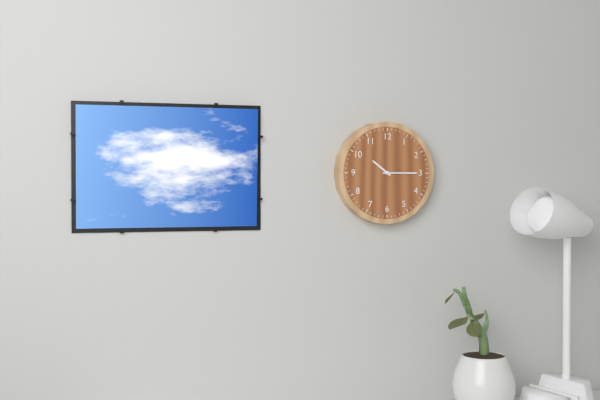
10:15
